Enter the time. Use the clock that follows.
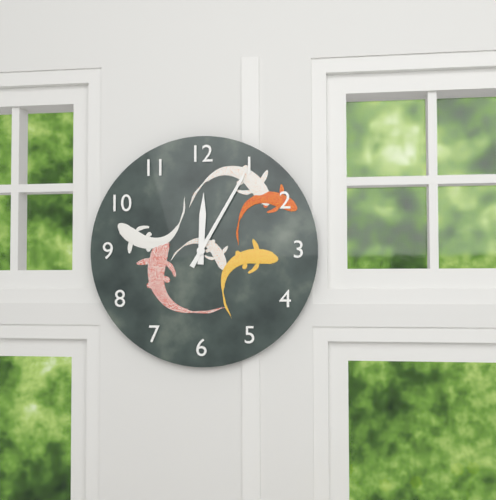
12:05
